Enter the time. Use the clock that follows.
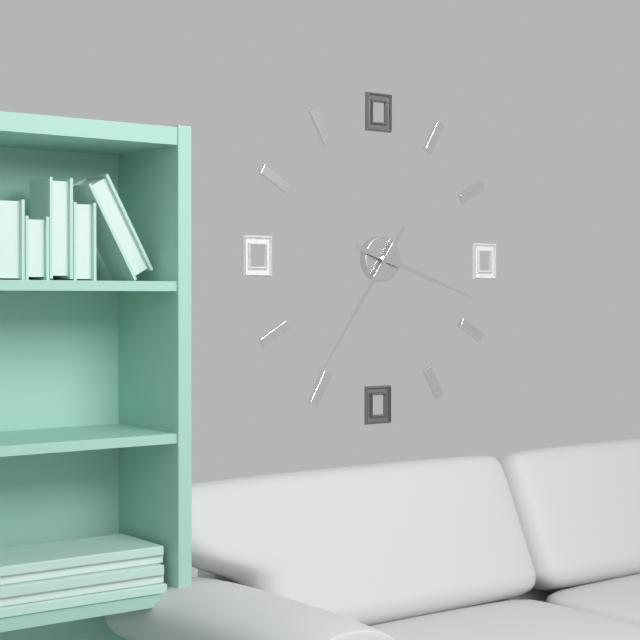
3:36
